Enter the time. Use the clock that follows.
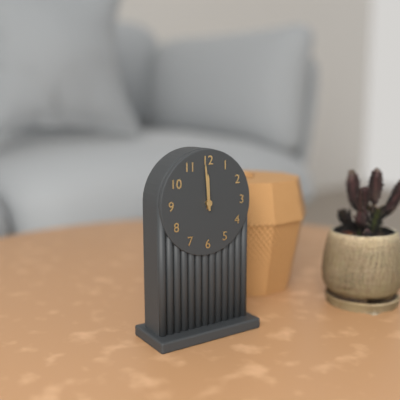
11:59
